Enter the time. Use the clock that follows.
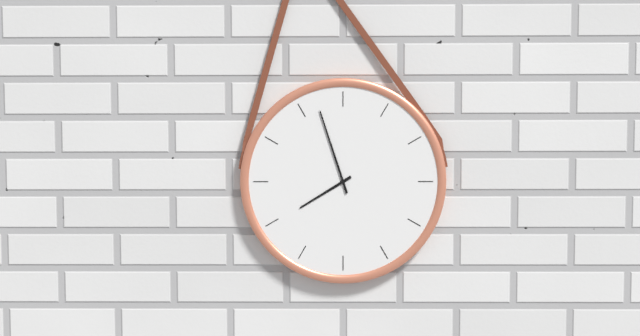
7:57
